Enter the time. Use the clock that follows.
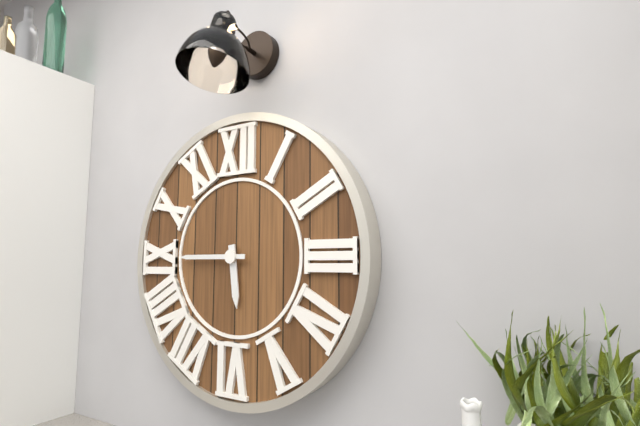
5:45
